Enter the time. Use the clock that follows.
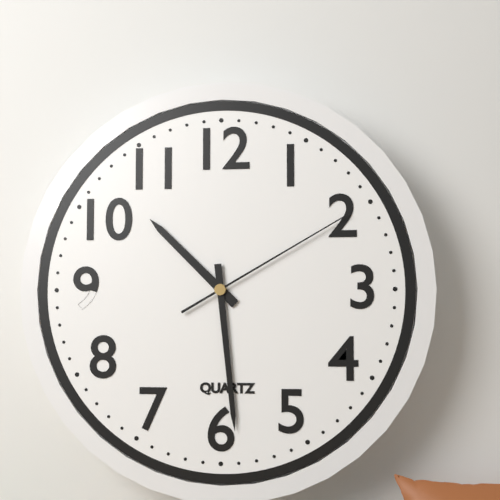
10:29:10
